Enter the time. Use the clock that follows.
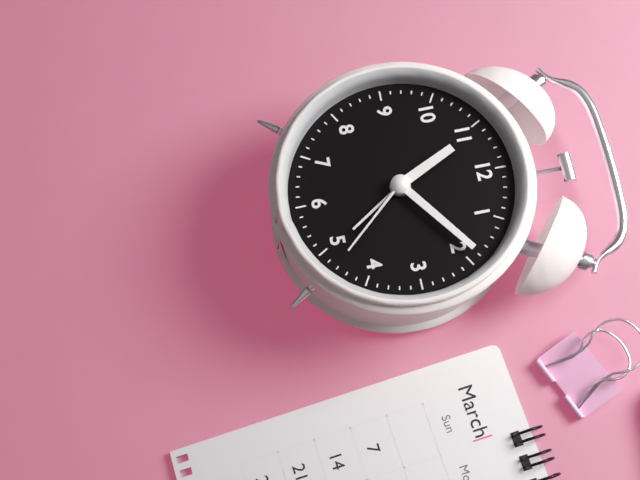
11:09:23
